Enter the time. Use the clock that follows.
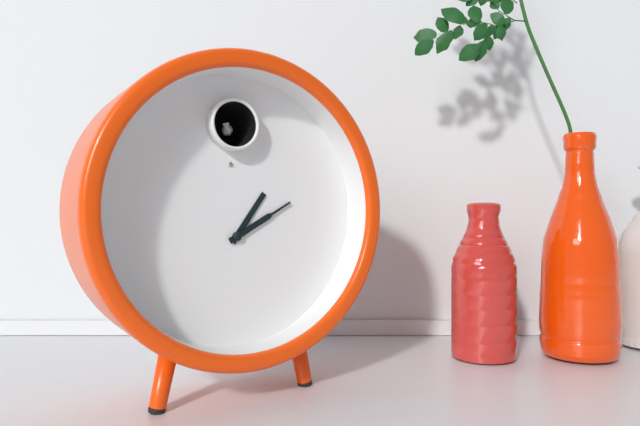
1:10
